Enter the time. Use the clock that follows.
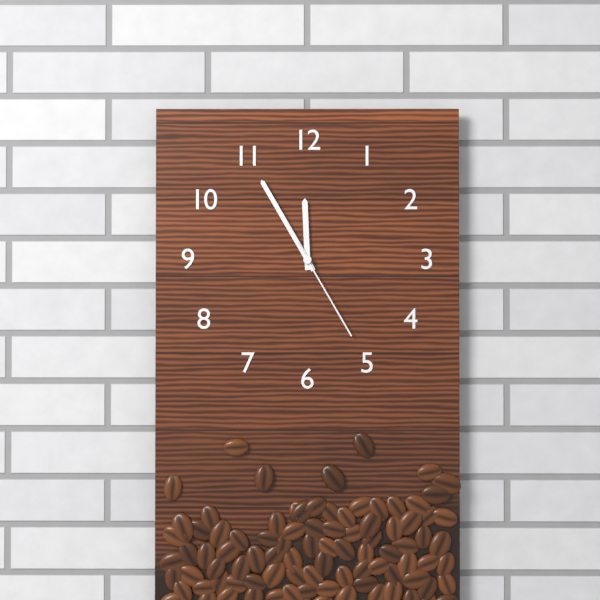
11:55:25
